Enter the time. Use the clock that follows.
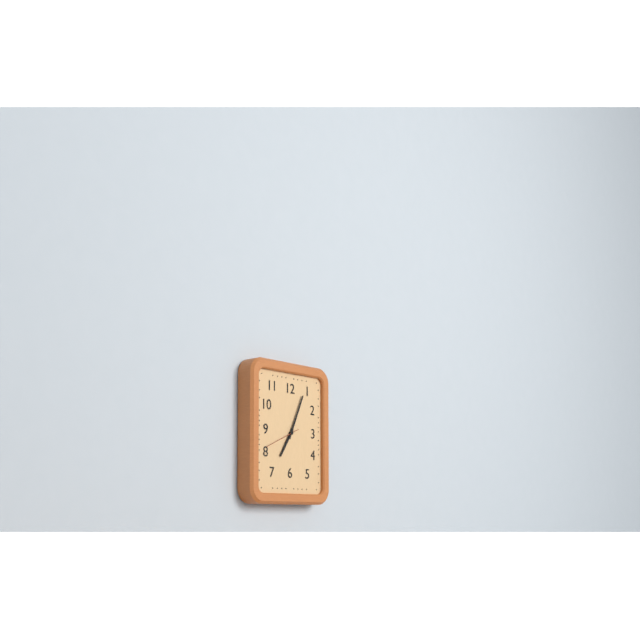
7:04
